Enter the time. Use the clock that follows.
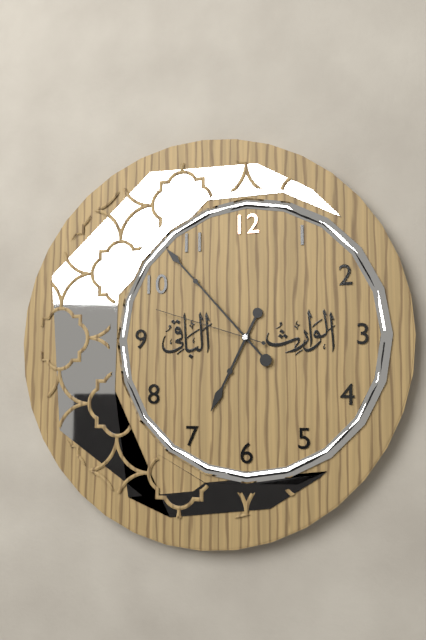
6:53:48
